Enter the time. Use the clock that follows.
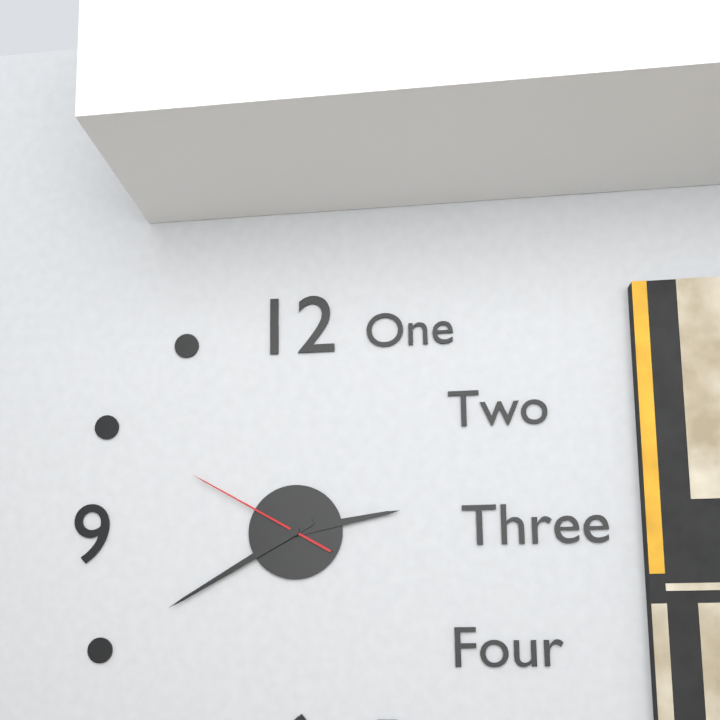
2:40:50
